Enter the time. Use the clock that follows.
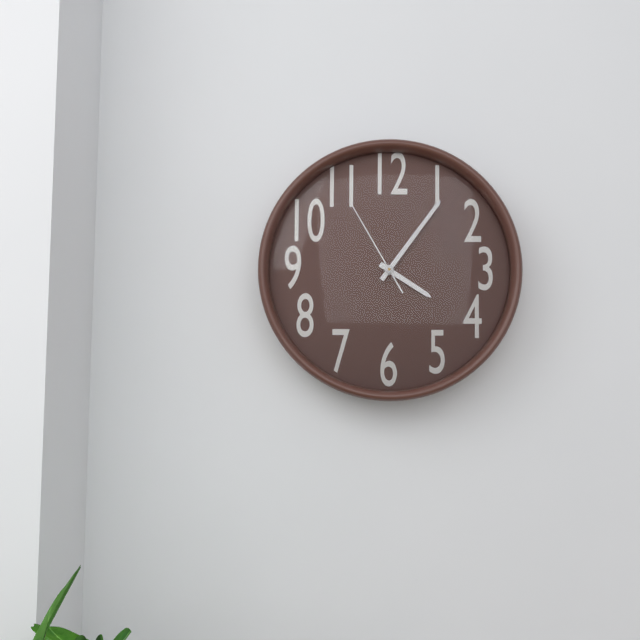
4:06:55
